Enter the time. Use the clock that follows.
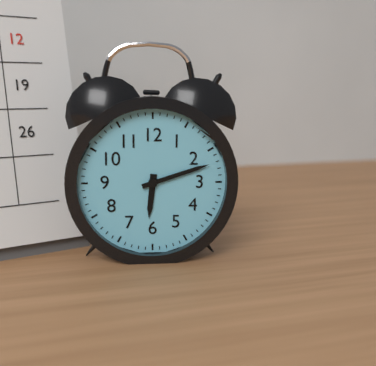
6:12
